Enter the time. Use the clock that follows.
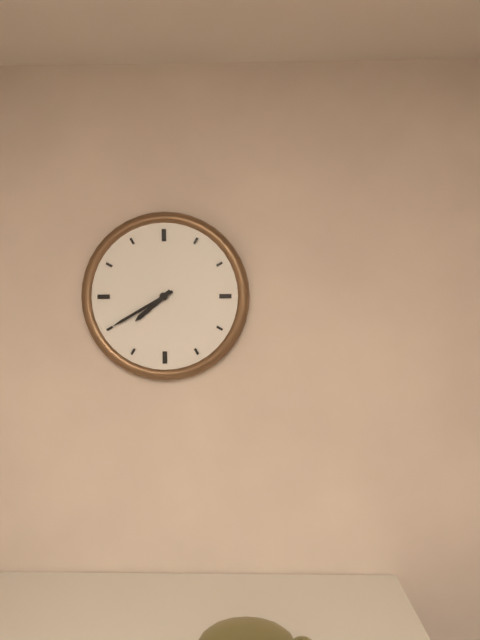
7:40
